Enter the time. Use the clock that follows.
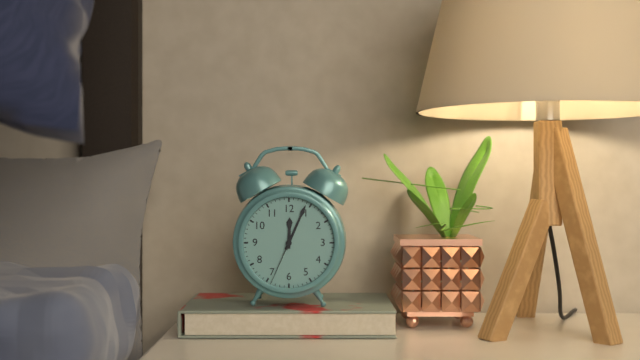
12:04:34
